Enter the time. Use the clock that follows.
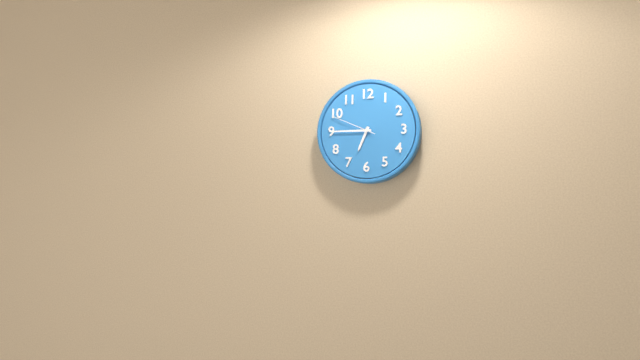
6:45
